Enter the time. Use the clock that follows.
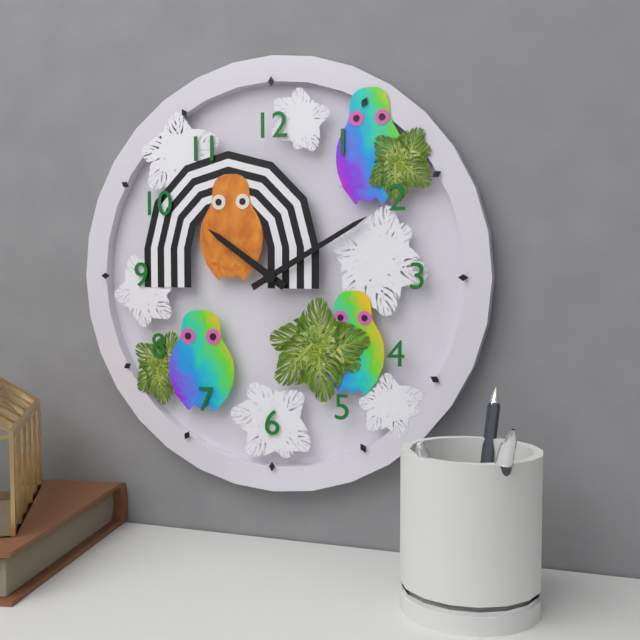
10:10
